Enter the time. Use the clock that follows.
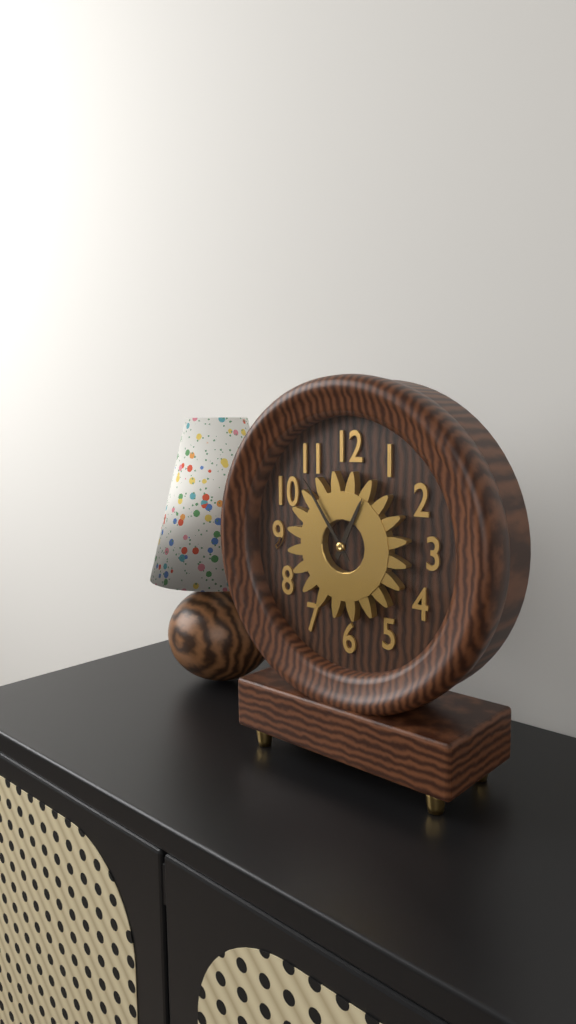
12:54
